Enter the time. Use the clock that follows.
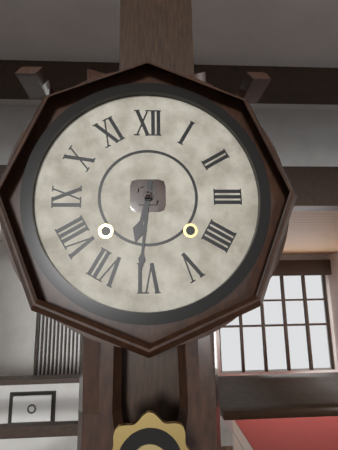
6:31
